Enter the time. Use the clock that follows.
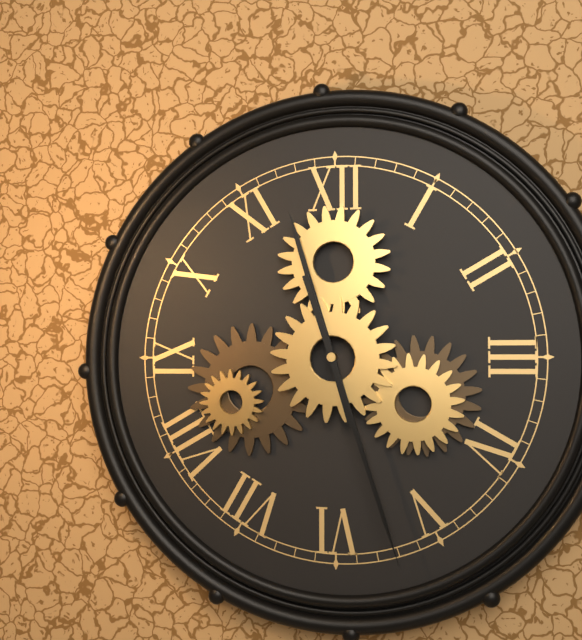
11:27
